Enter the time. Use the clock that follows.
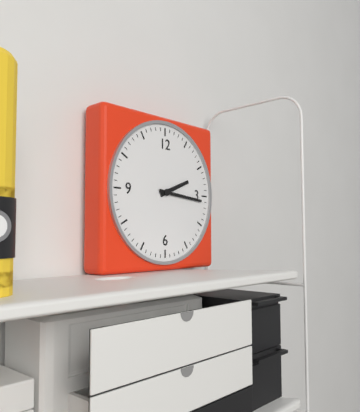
2:16
